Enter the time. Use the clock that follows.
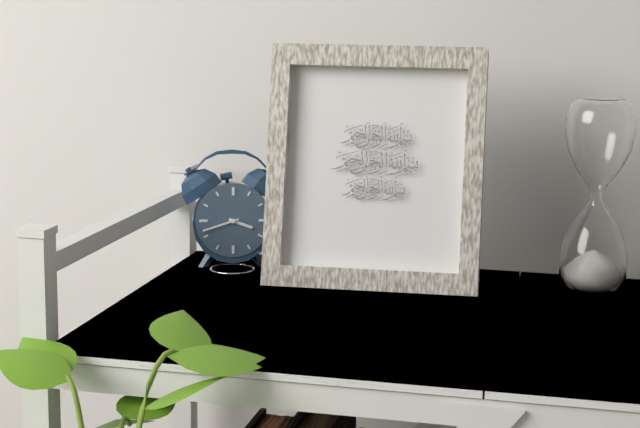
3:42
